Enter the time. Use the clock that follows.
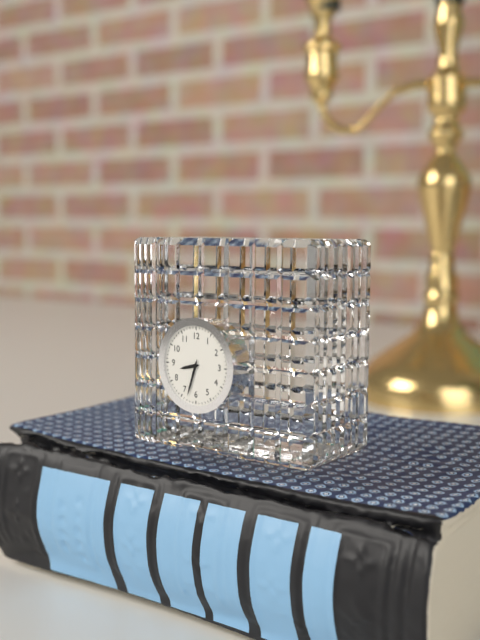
8:33
